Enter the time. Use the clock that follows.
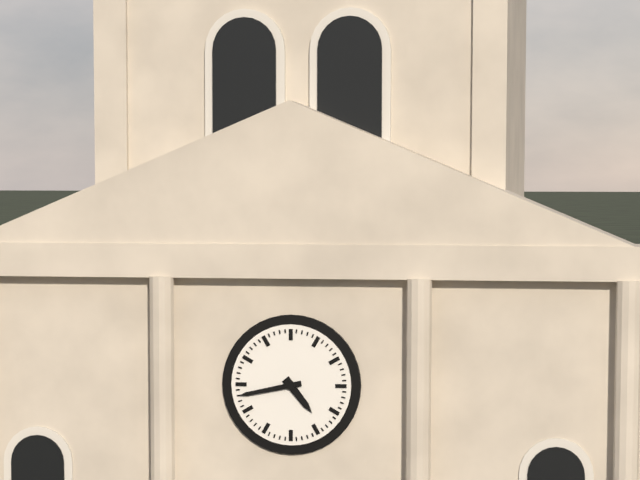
4:43
